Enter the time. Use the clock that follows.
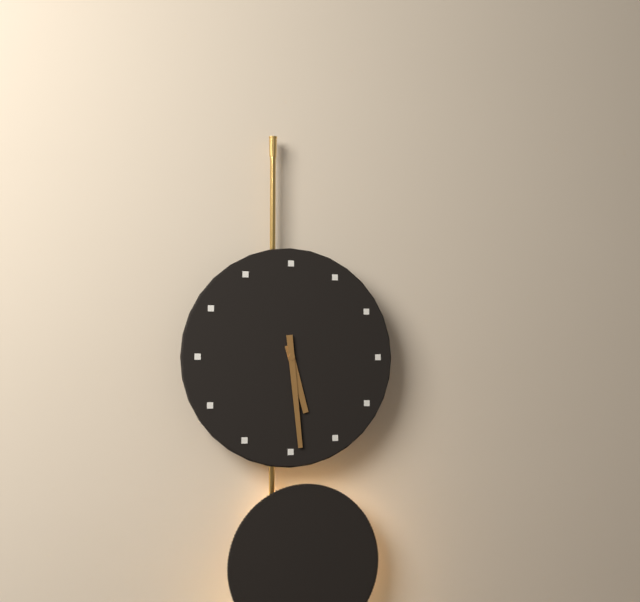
5:29
